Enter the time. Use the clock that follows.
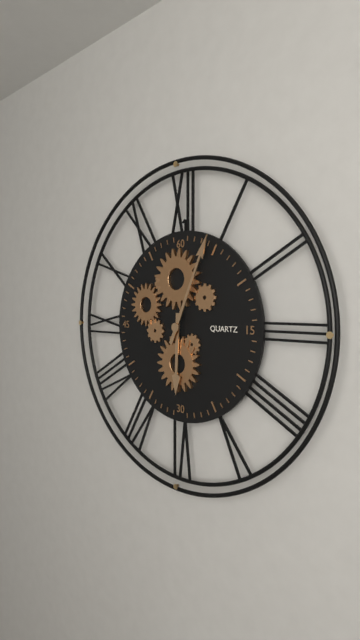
6:04
